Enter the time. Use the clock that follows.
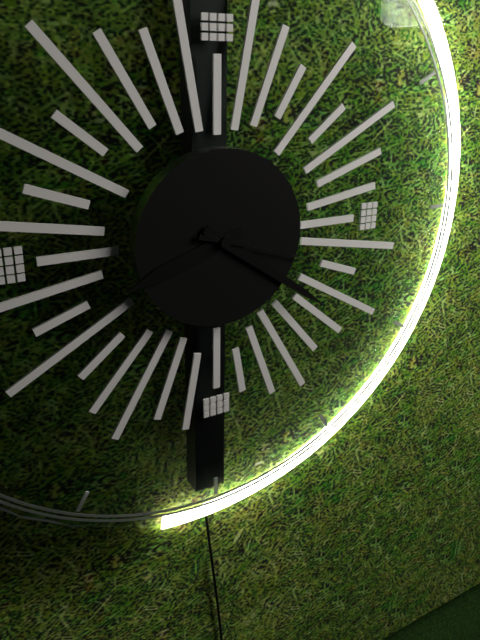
8:21:18
